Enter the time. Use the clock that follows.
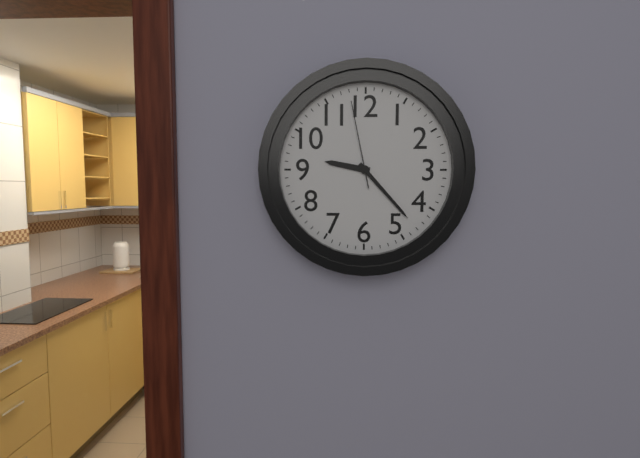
9:23:58
